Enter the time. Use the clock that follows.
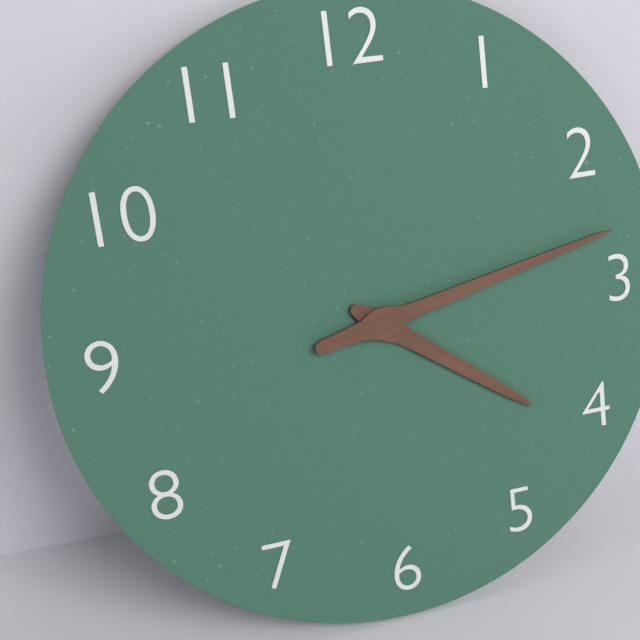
4:13
